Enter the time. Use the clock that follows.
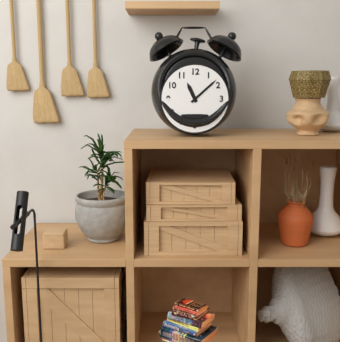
11:08
